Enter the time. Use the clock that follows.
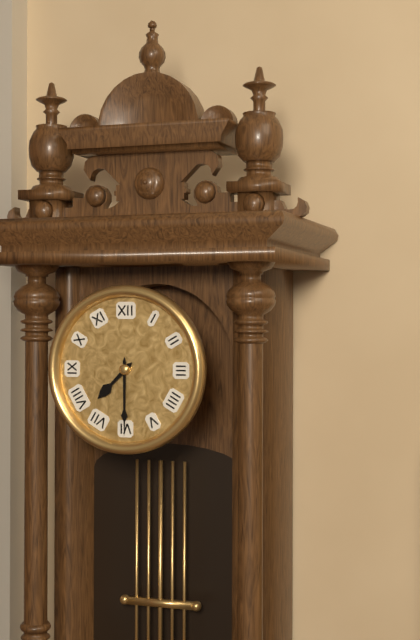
7:30
